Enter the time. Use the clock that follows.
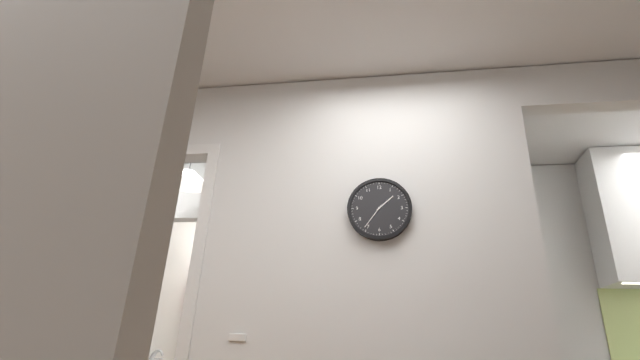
1:36
